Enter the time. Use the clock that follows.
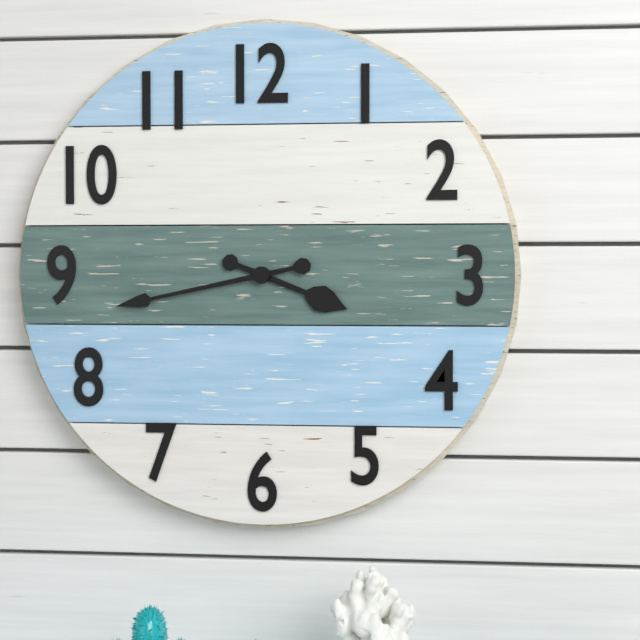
3:43
